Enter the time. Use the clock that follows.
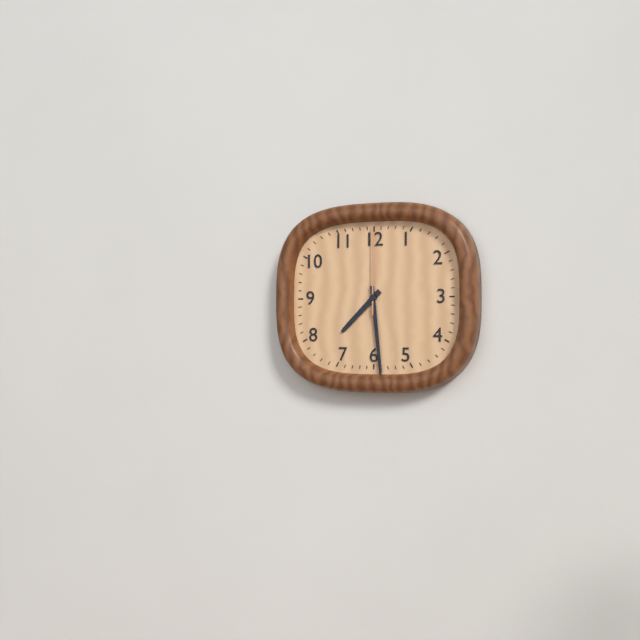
7:29:00
